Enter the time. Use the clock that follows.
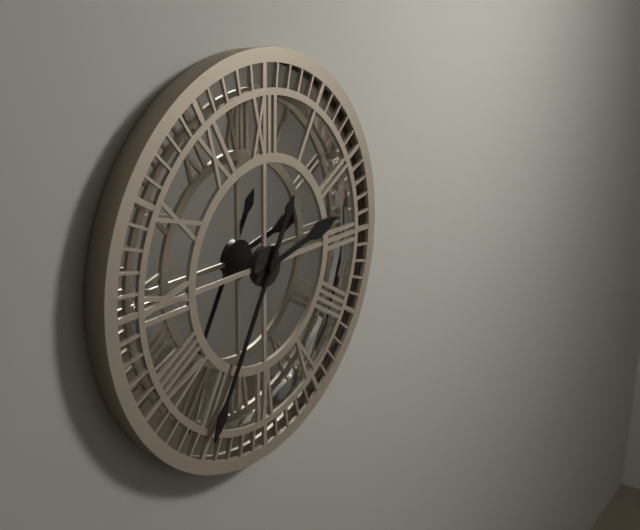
2:35
